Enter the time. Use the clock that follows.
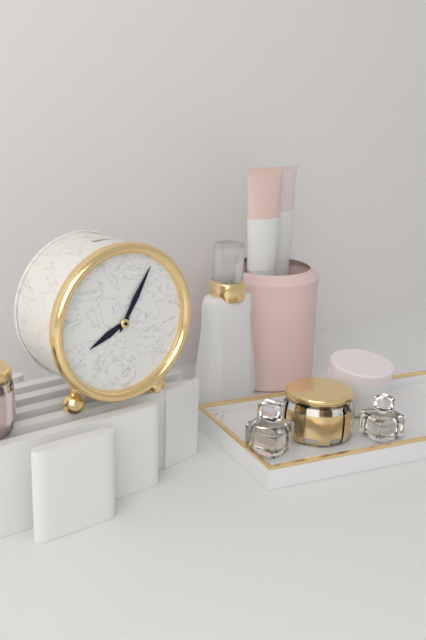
8:05
